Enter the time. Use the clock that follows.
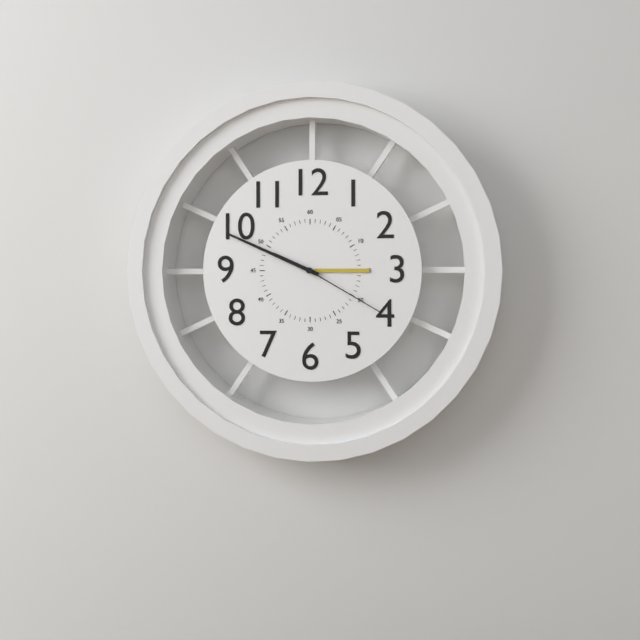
9:49:20
